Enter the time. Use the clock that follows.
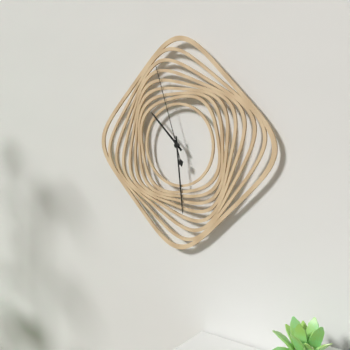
10:29:57
